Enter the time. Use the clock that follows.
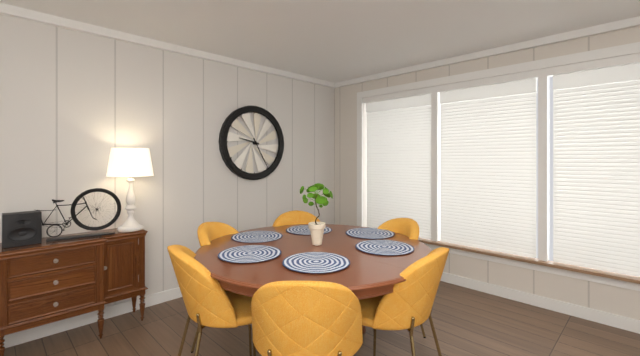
9:25
